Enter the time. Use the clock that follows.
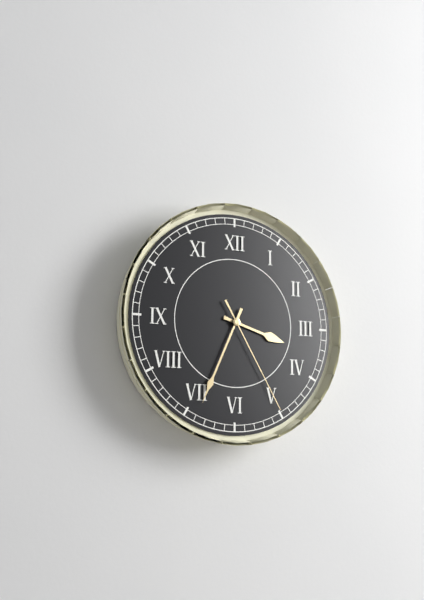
3:34:25
